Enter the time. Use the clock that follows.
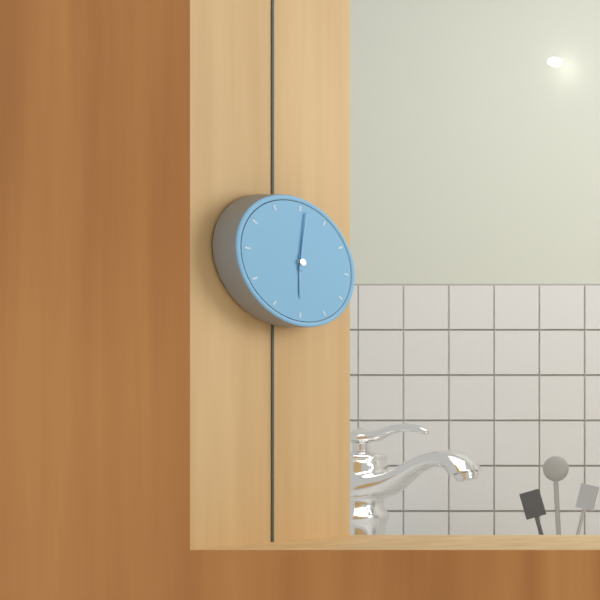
6:01
